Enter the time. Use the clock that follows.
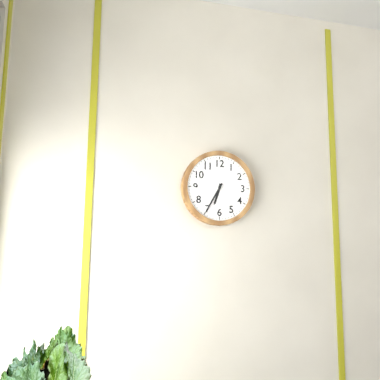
6:35
